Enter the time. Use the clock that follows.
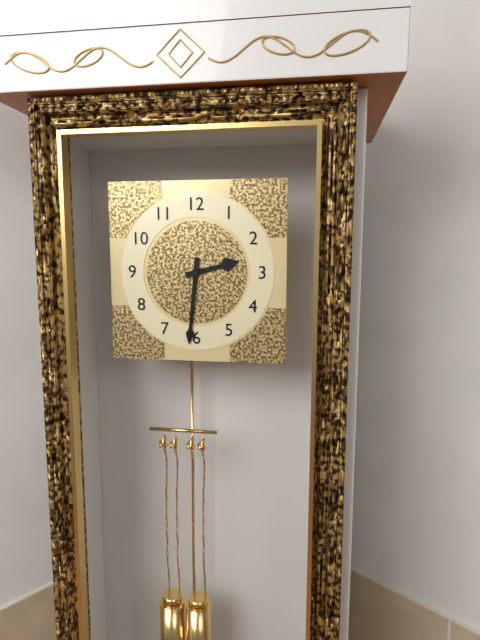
2:31
